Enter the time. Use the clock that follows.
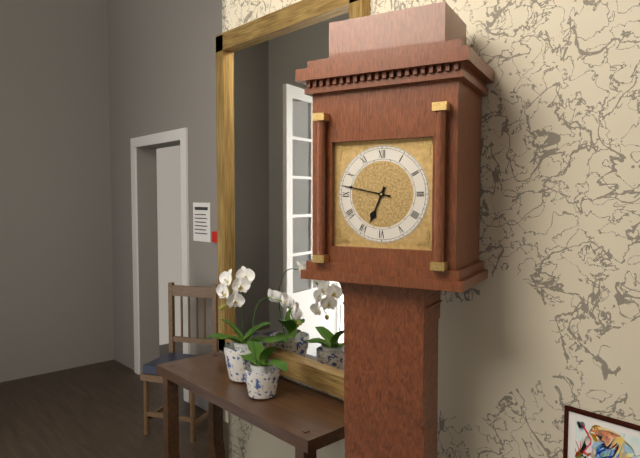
6:47
